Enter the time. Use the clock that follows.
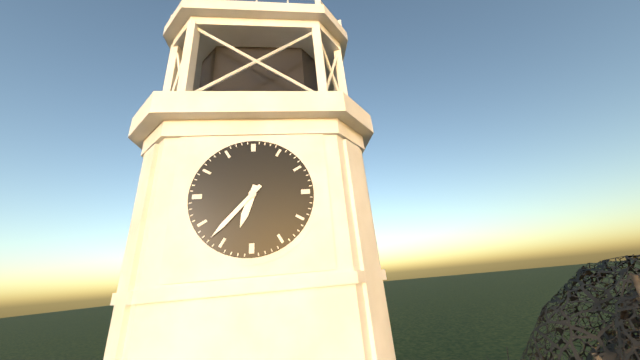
6:37
